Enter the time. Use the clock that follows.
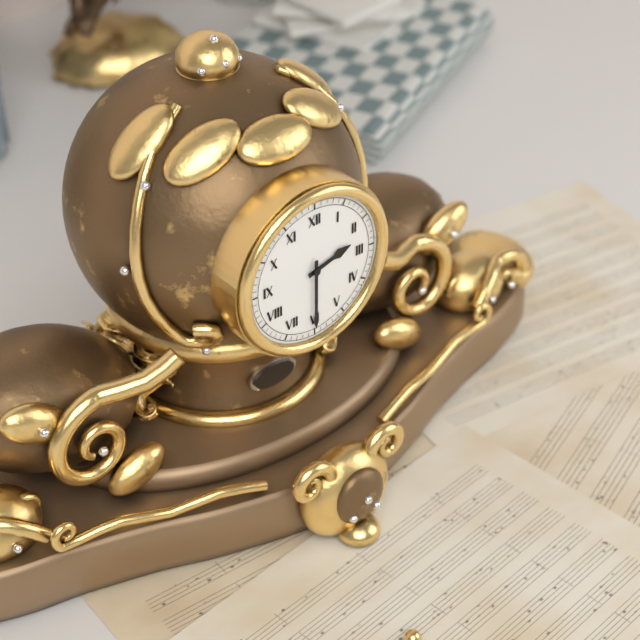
2:30
